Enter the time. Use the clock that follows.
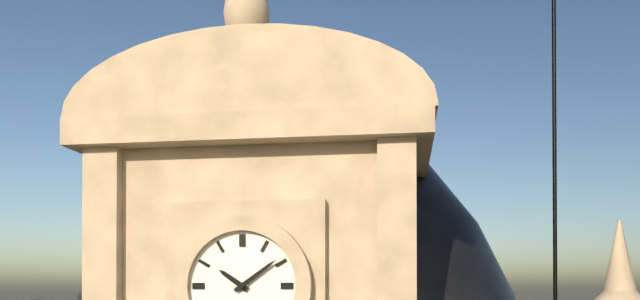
10:09
